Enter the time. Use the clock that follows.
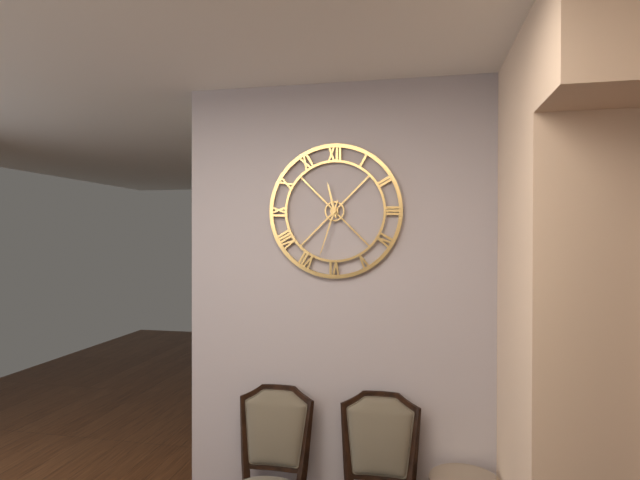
11:33
